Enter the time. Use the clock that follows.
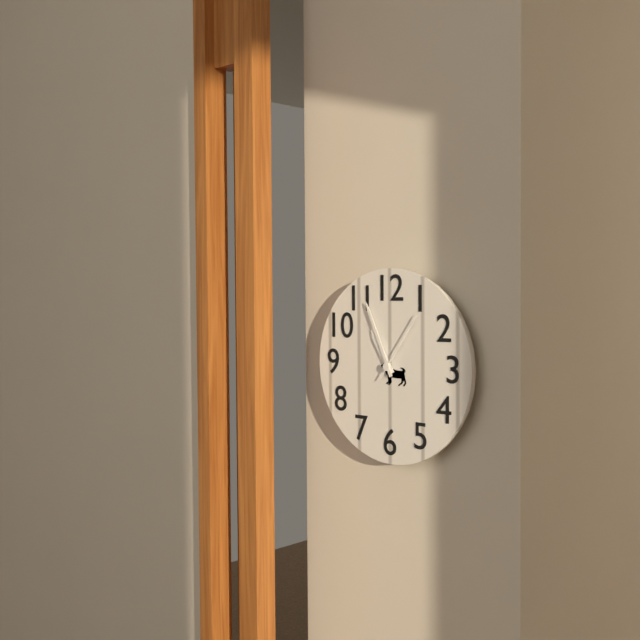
10:56:06
